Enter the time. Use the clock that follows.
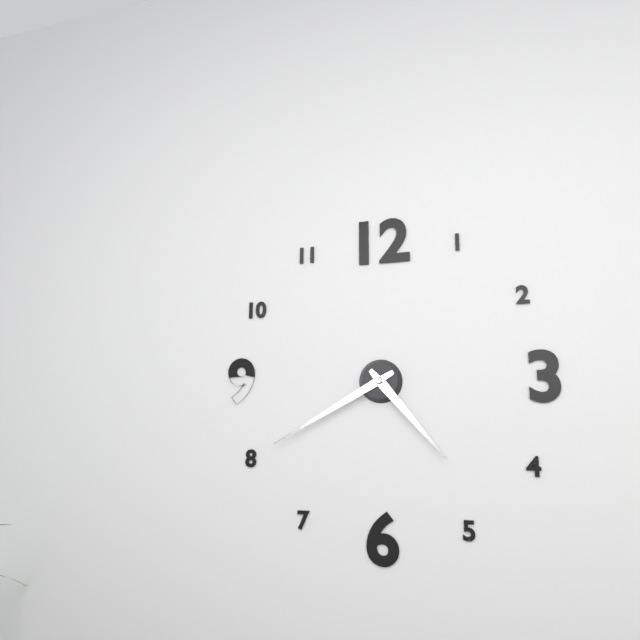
4:40
